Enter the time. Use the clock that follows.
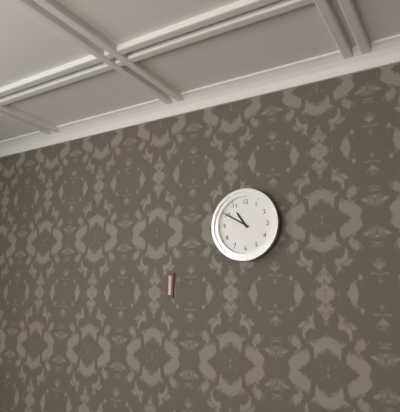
10:50
